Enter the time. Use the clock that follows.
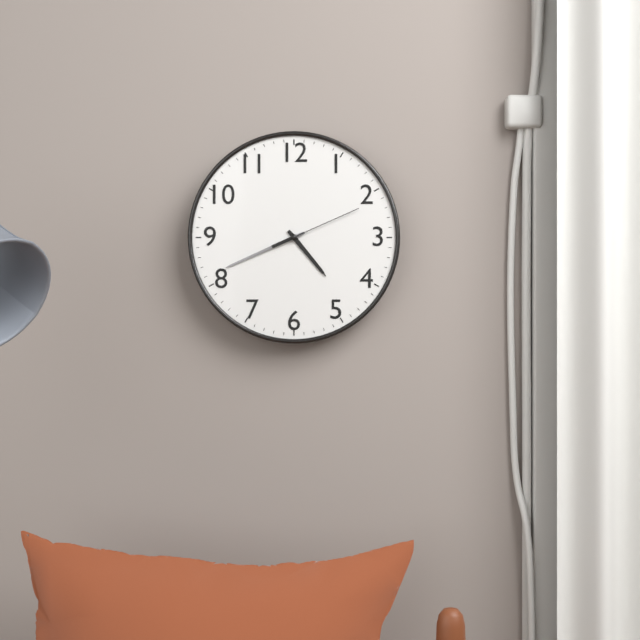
4:41:11
